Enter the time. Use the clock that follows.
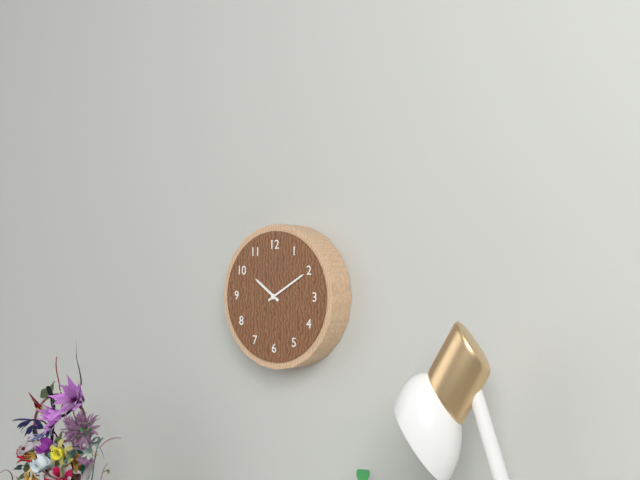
10:10
